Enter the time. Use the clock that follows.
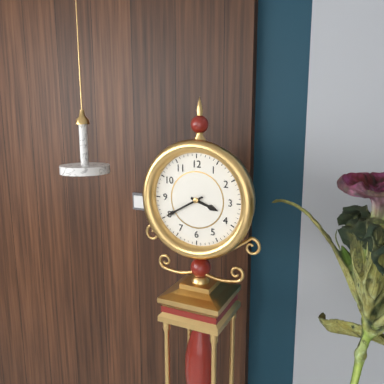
3:40
